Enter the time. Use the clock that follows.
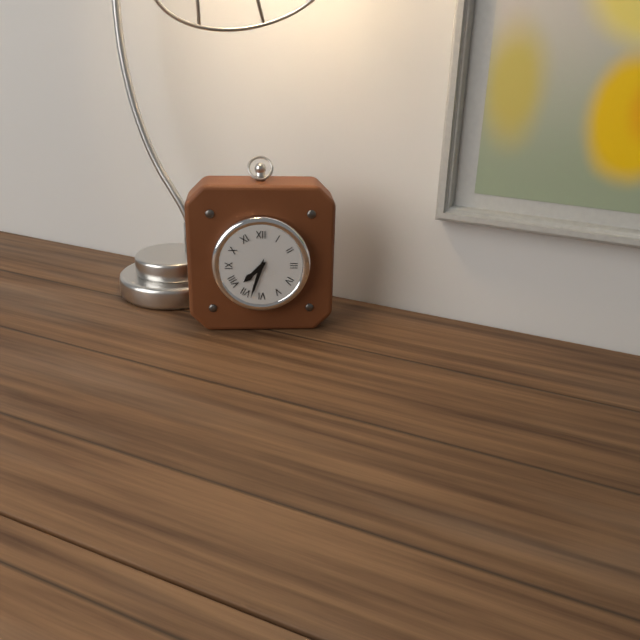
7:33
